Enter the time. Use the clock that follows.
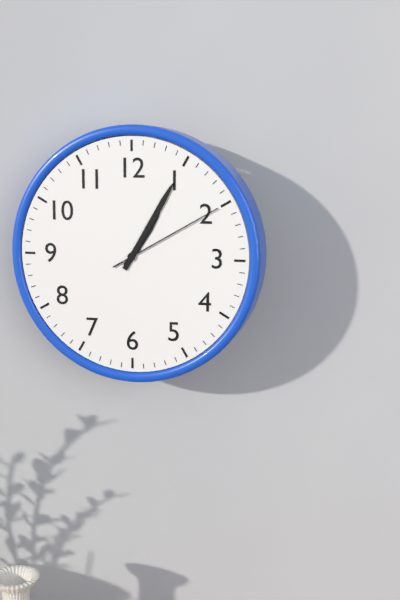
1:05:10
